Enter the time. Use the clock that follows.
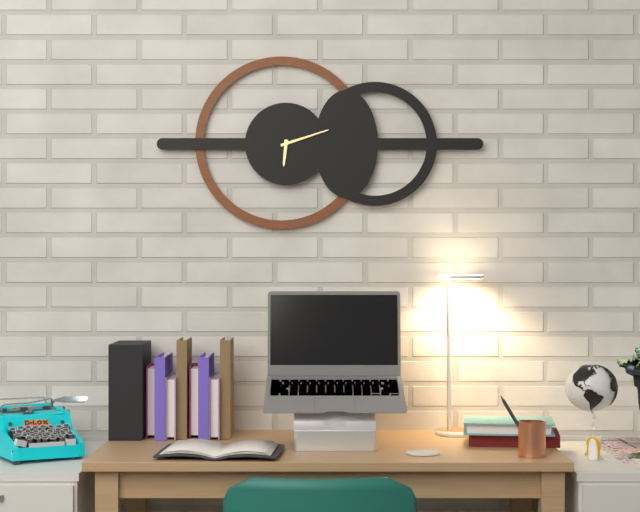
6:12
